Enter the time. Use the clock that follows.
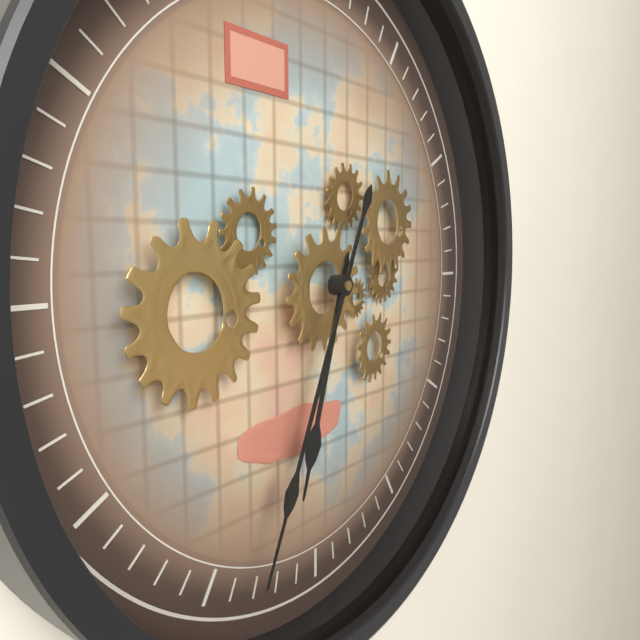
6:34
